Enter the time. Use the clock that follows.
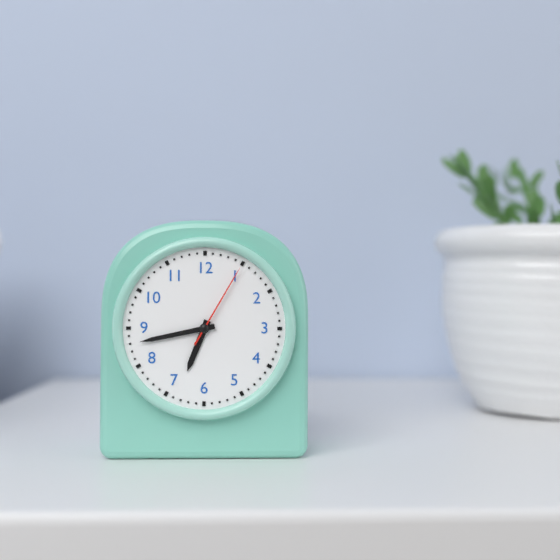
6:43:05
